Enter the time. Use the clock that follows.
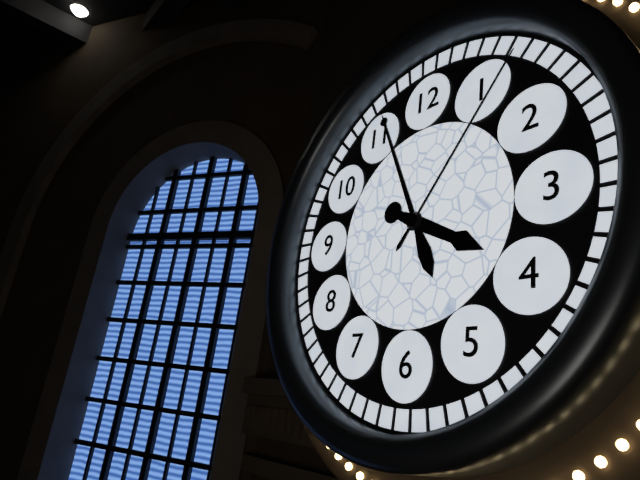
3:56:06
